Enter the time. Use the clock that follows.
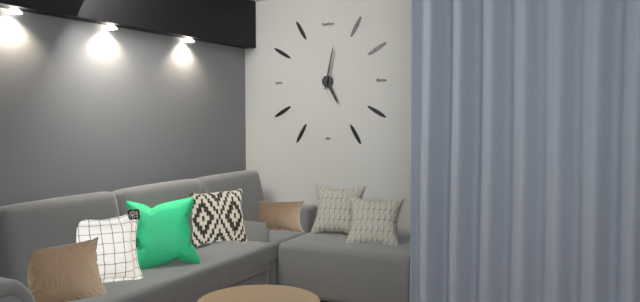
5:02
